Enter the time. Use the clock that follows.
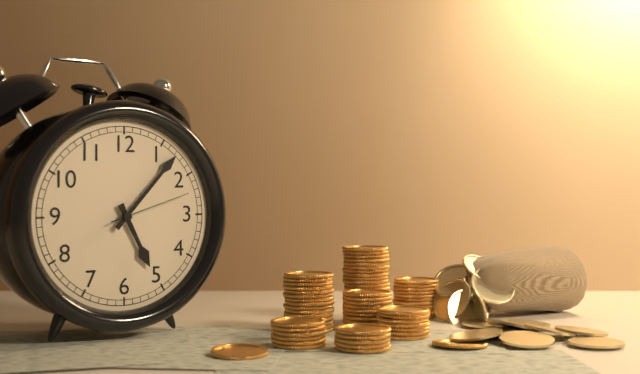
5:07:12
